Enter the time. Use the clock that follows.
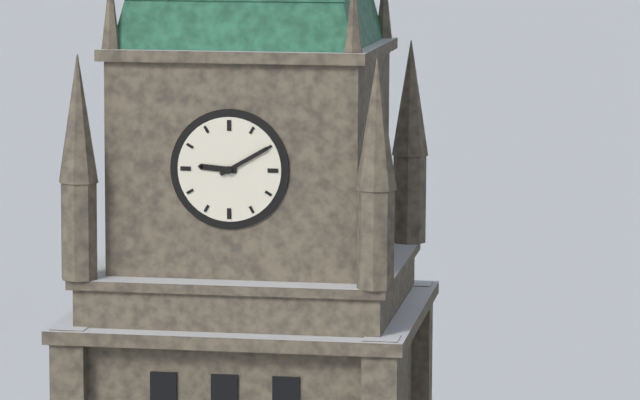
9:10
